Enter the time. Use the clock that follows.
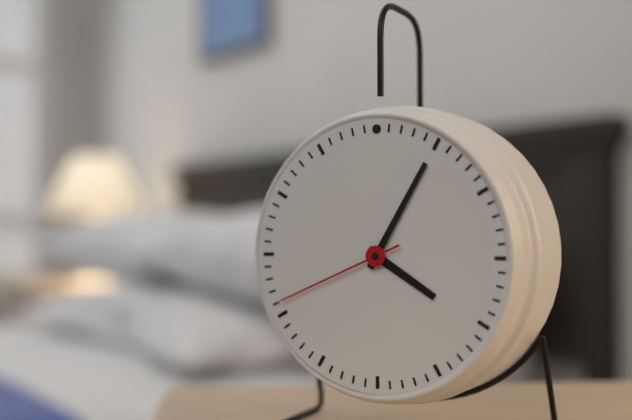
4:05:41
